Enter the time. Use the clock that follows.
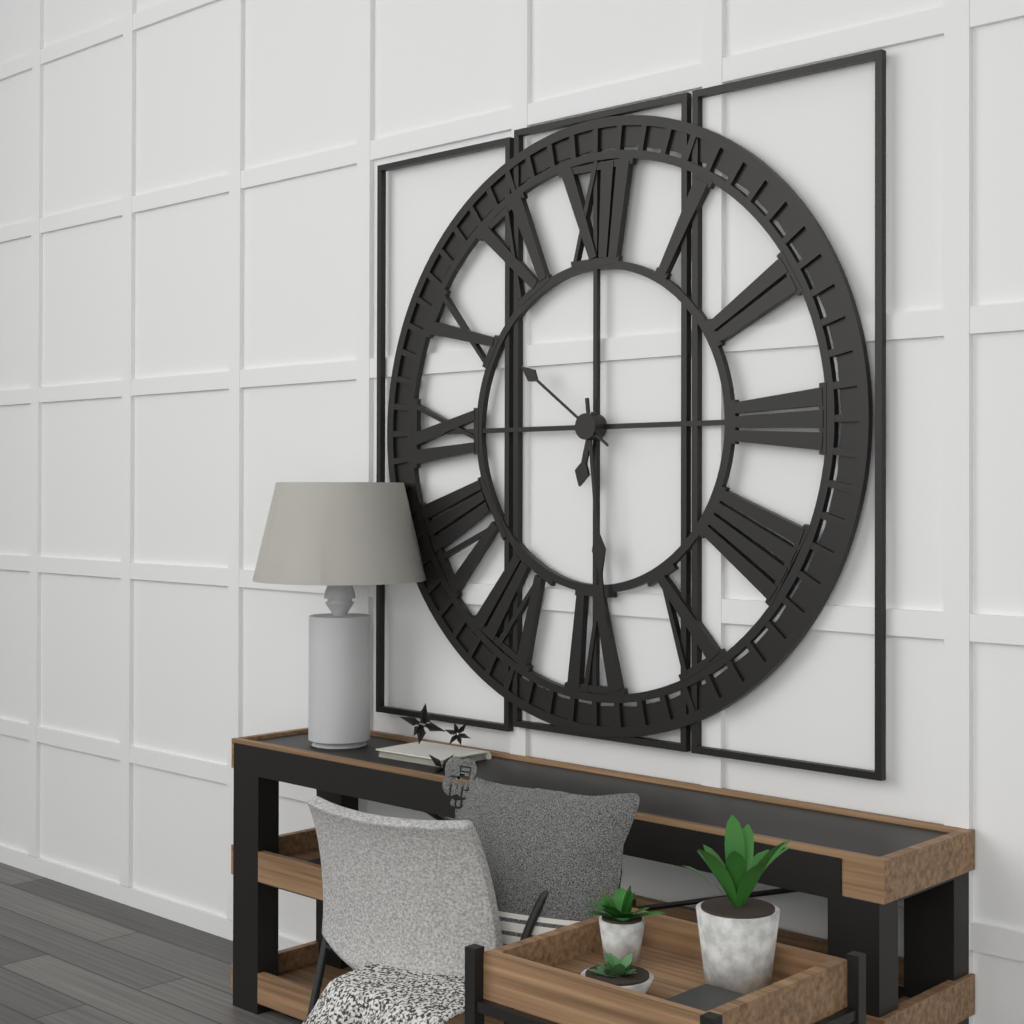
6:29:51
